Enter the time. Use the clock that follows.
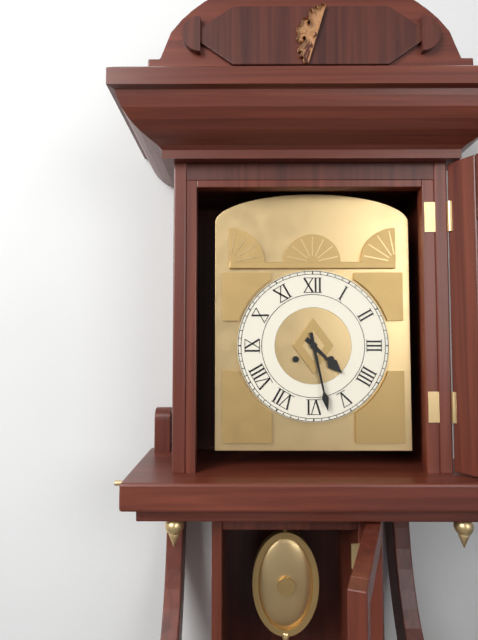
4:28
